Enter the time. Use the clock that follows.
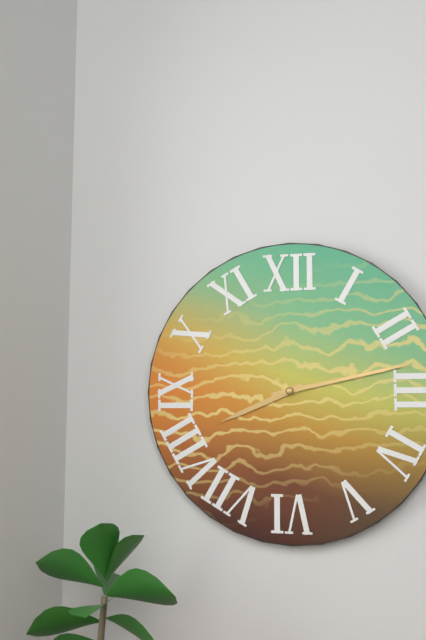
8:13
